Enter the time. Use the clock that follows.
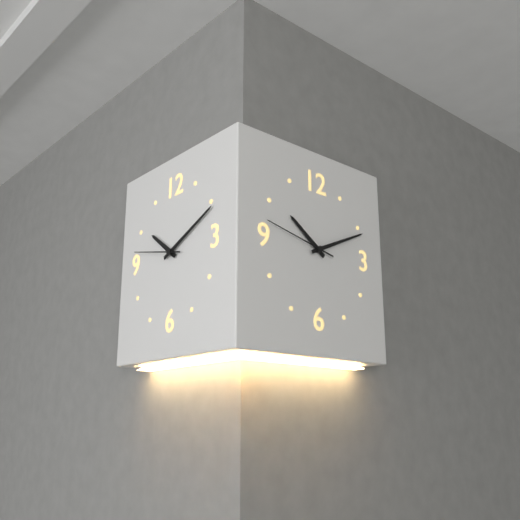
10:11:47
